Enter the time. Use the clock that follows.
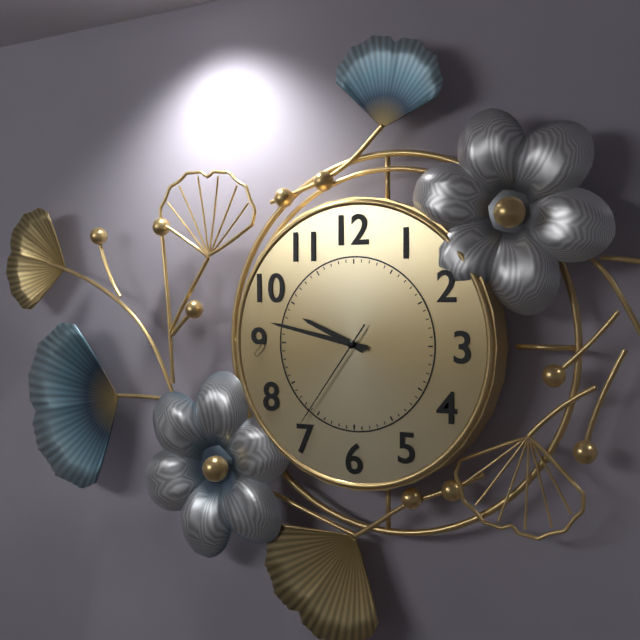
9:47:36
